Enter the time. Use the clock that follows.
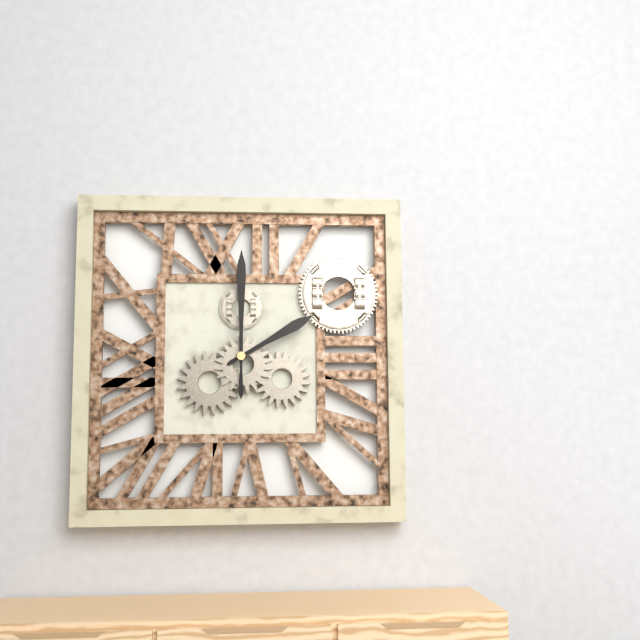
2:00
